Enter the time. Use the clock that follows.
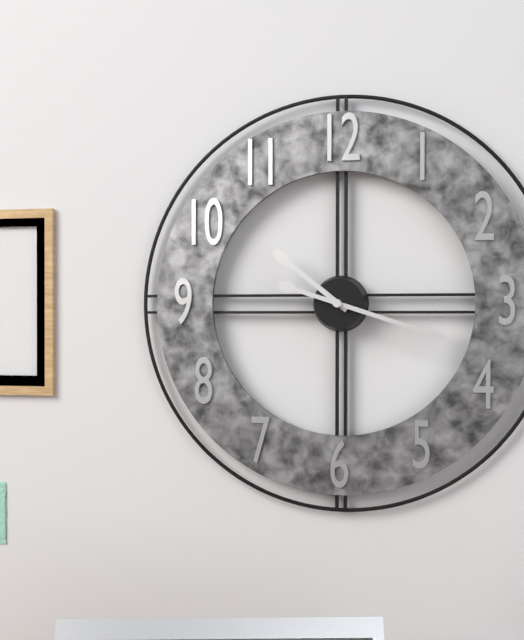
10:18
